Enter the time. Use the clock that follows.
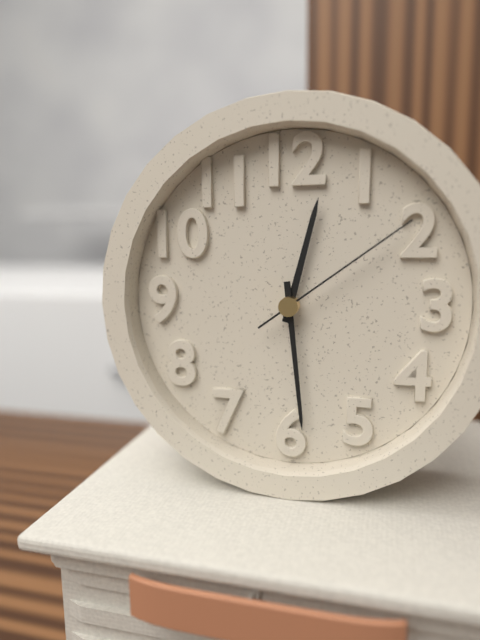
12:29:09
